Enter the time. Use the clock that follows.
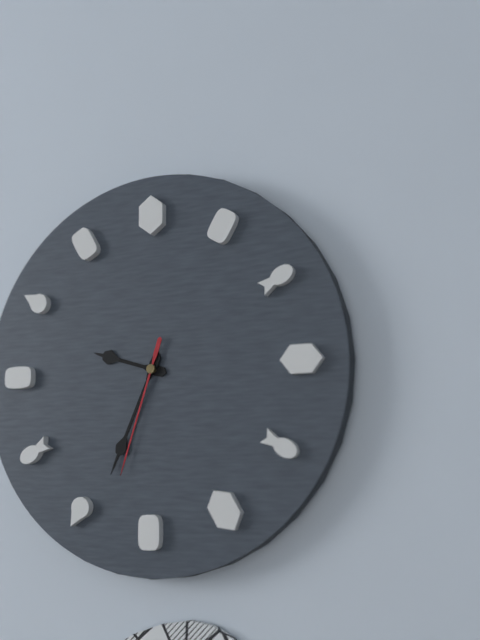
9:34:33
